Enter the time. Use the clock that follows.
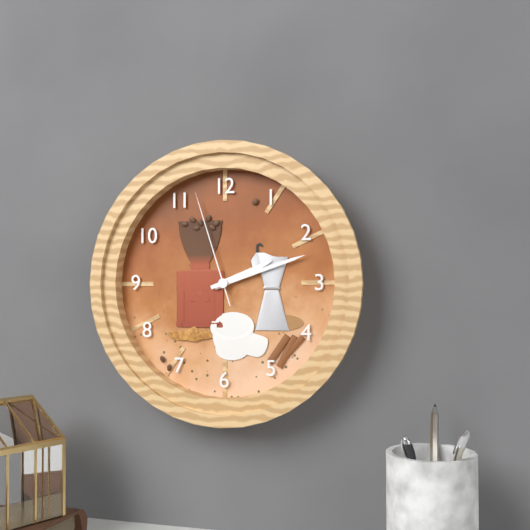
2:12:57
